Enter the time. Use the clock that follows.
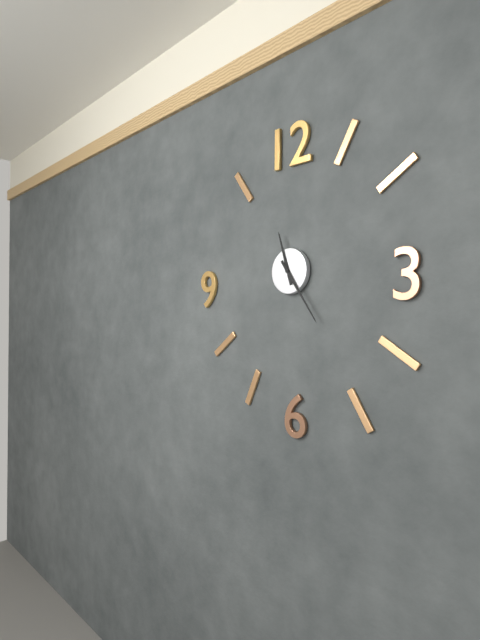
11:24
